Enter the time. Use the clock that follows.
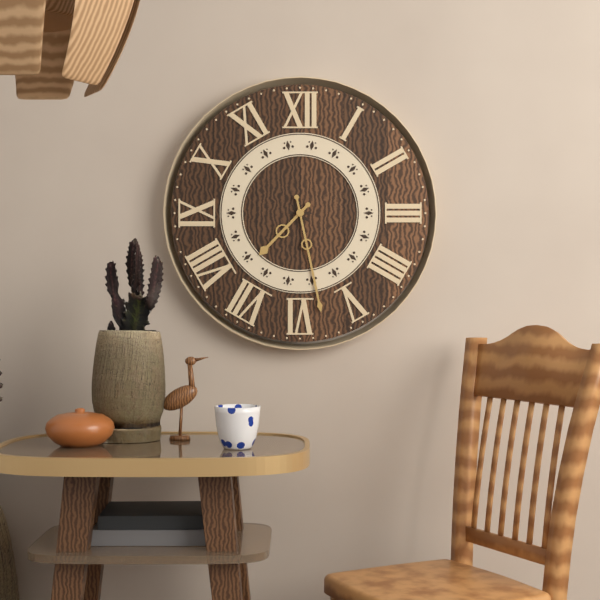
7:28
